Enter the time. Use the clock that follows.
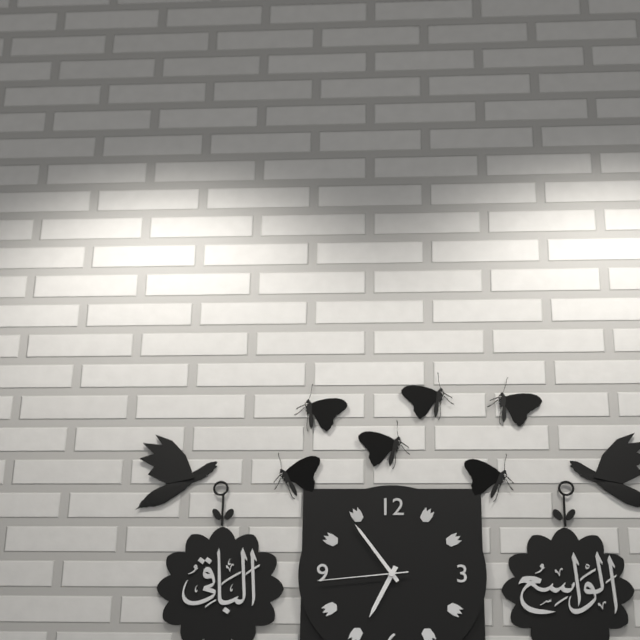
6:54:44
